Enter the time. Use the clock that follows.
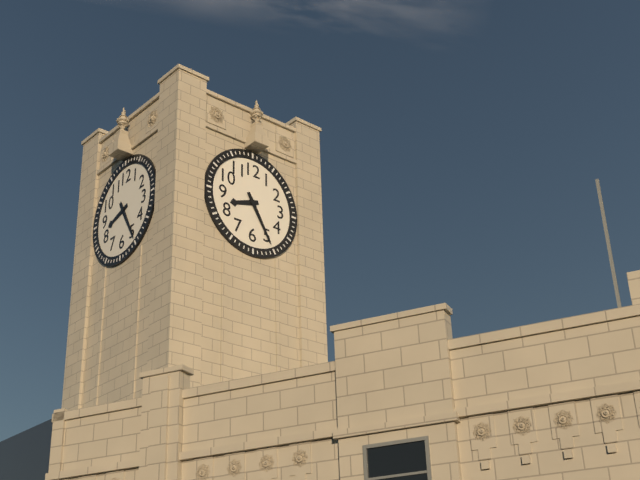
8:25
